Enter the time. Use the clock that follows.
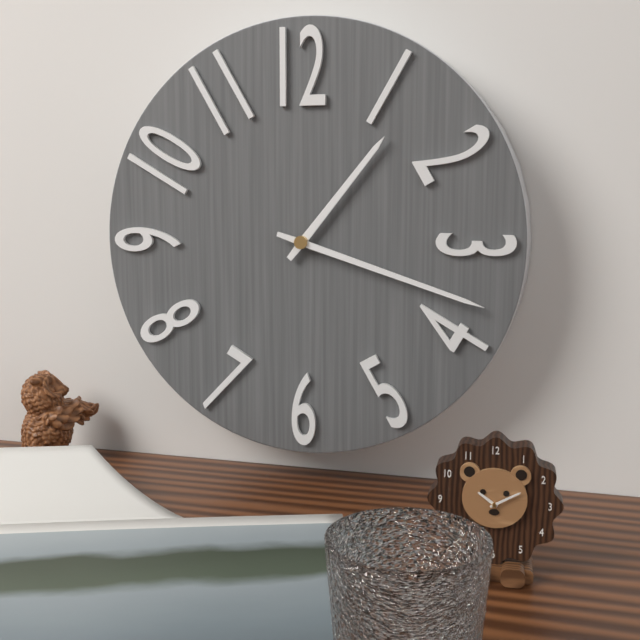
1:18
